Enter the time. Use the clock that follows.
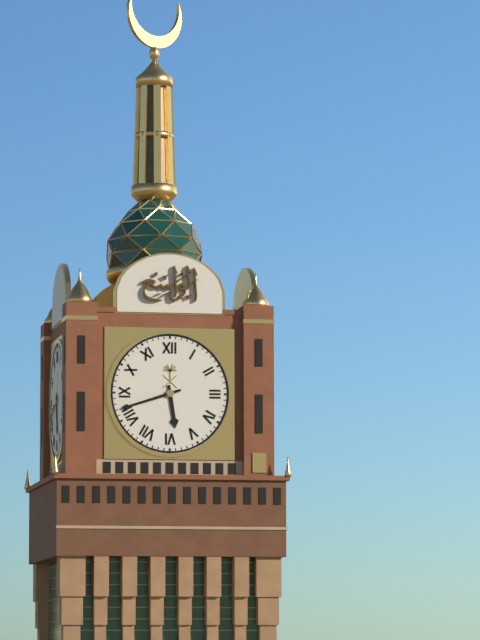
5:42
